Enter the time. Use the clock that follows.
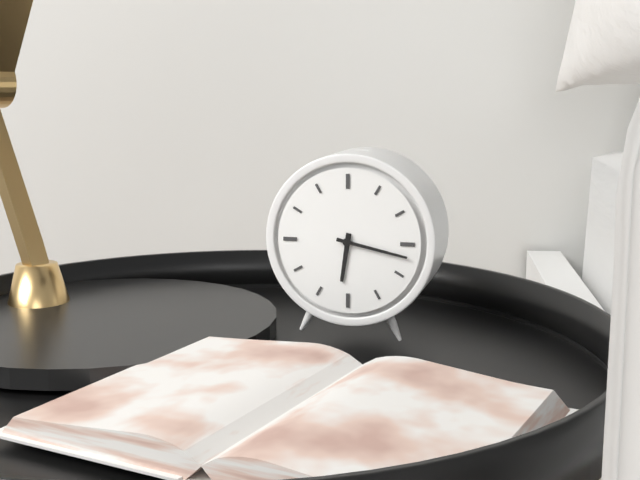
6:17
